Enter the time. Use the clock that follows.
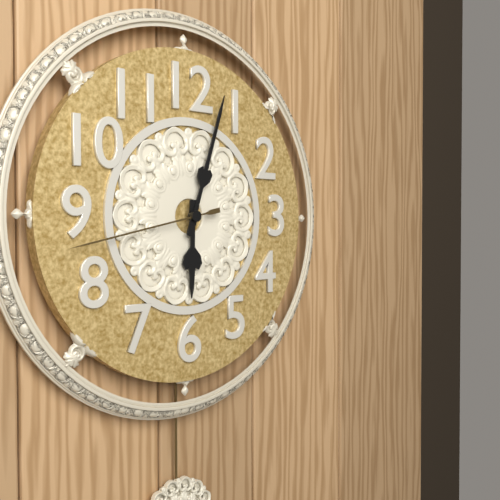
6:03:43
